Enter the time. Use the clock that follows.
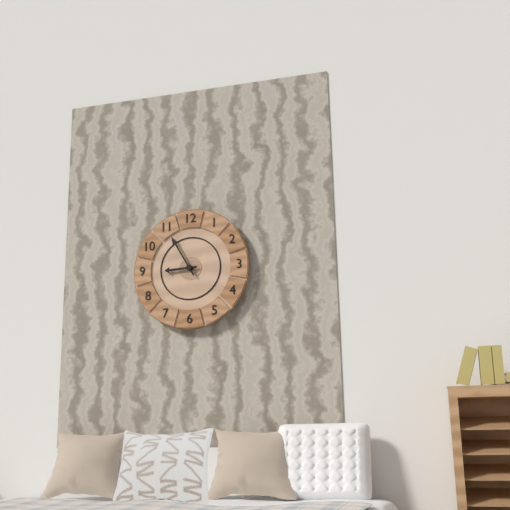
8:55
